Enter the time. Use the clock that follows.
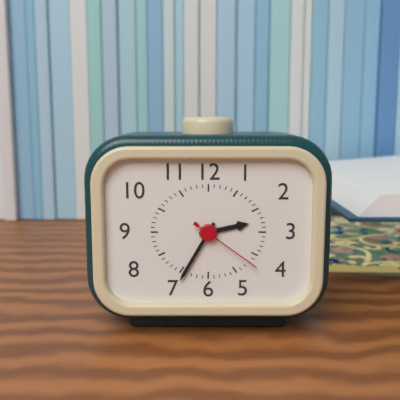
2:35:21
